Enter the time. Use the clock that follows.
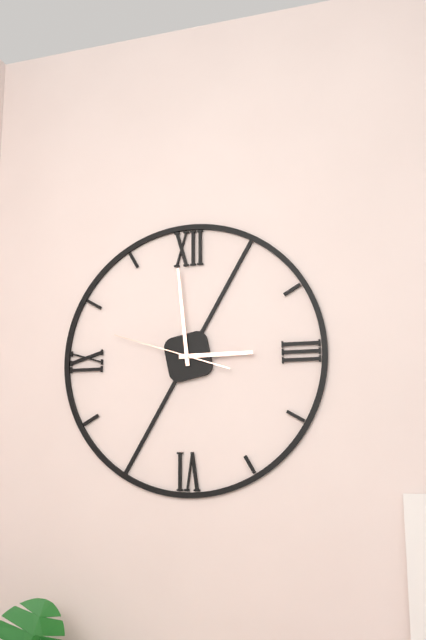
2:59:48
